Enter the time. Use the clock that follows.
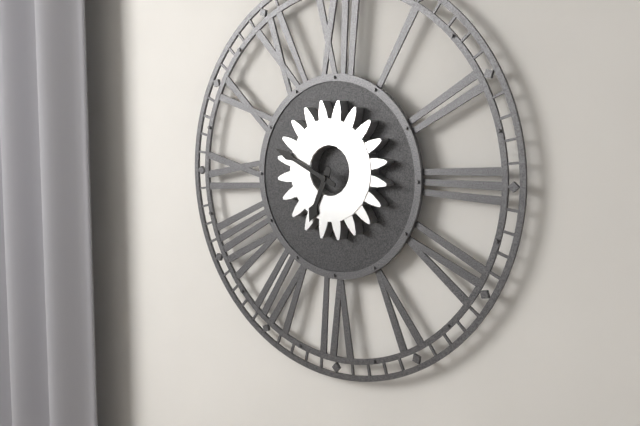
6:49
